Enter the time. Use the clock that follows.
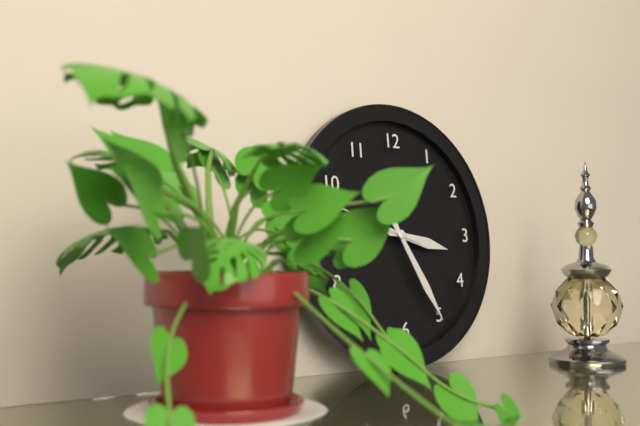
3:25
